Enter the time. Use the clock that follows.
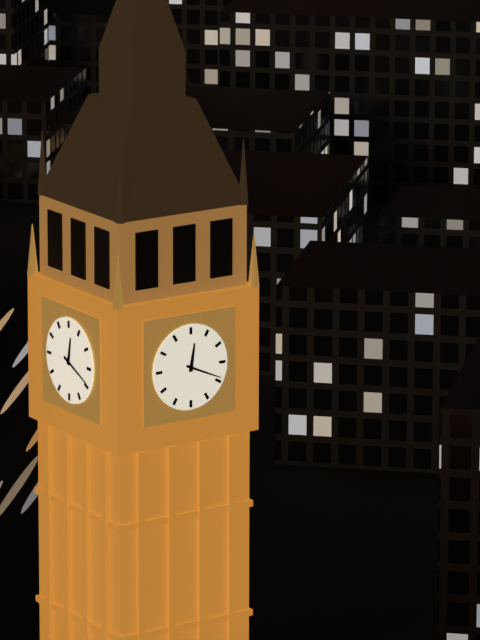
12:19
